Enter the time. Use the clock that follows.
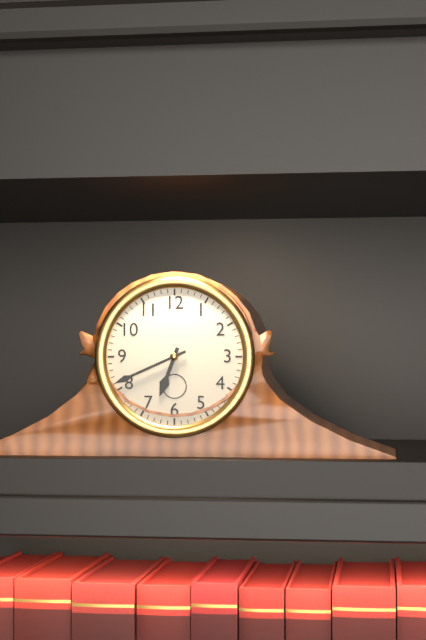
6:41
